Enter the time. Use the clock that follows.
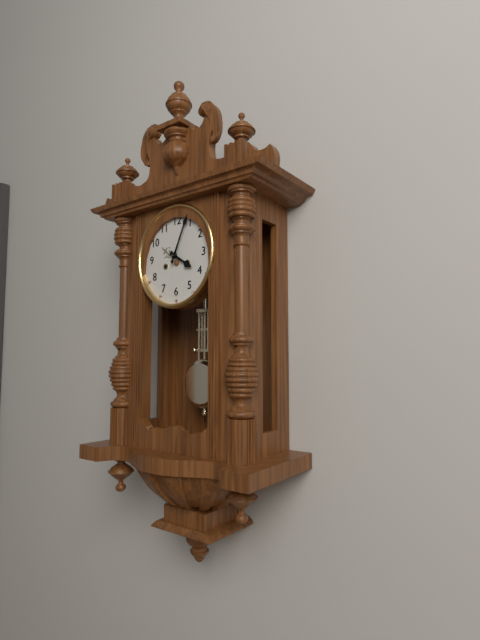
4:04
